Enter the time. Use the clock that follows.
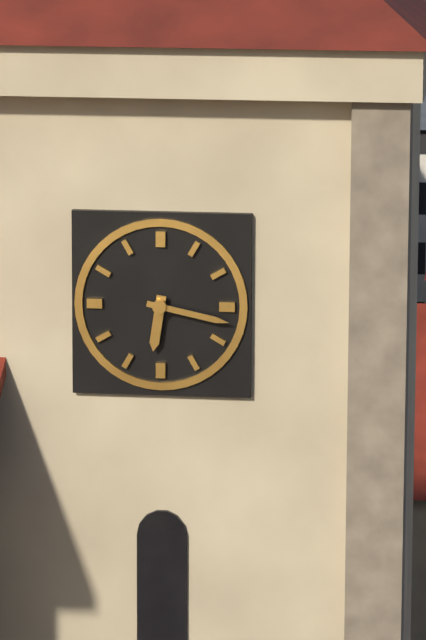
6:17
